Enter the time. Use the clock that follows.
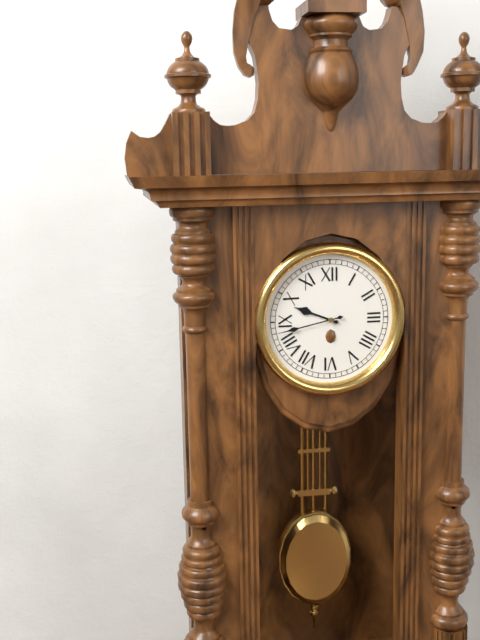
9:43
